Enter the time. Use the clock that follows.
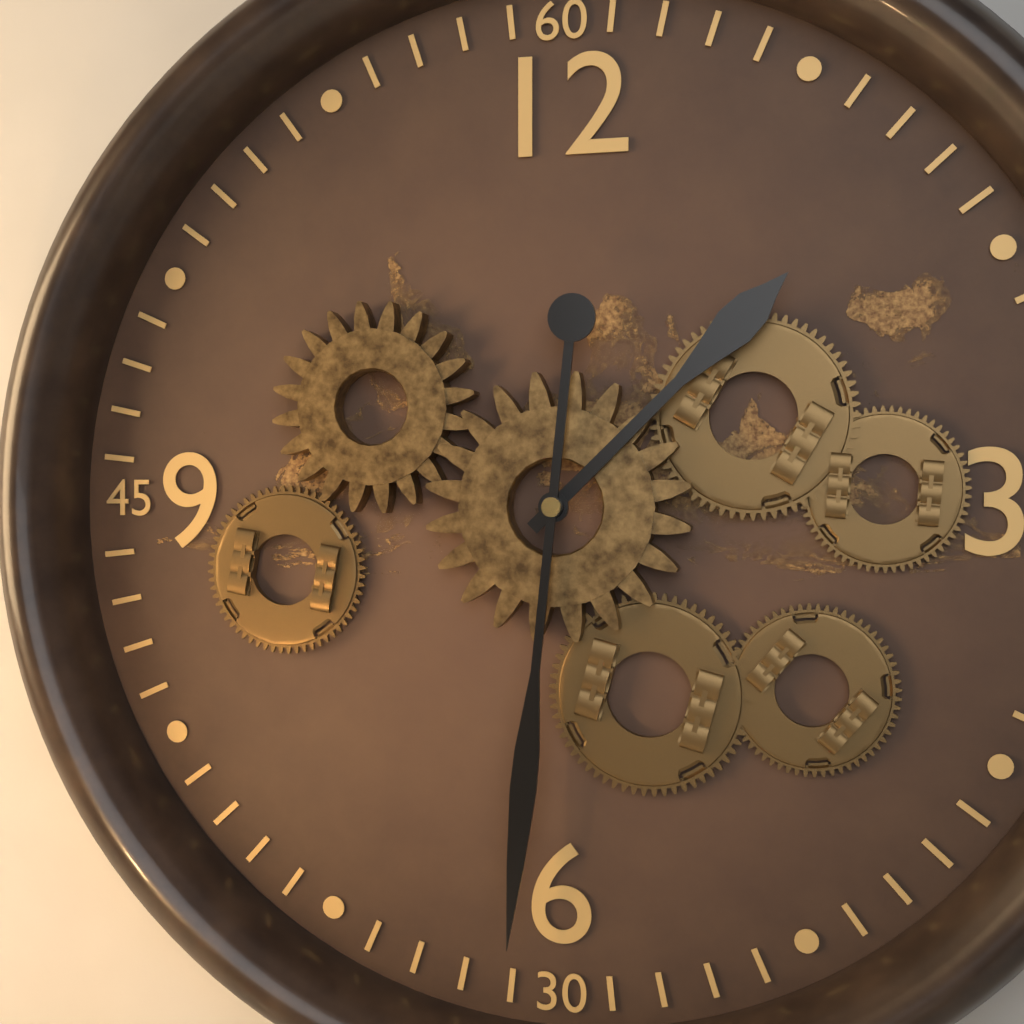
1:31
